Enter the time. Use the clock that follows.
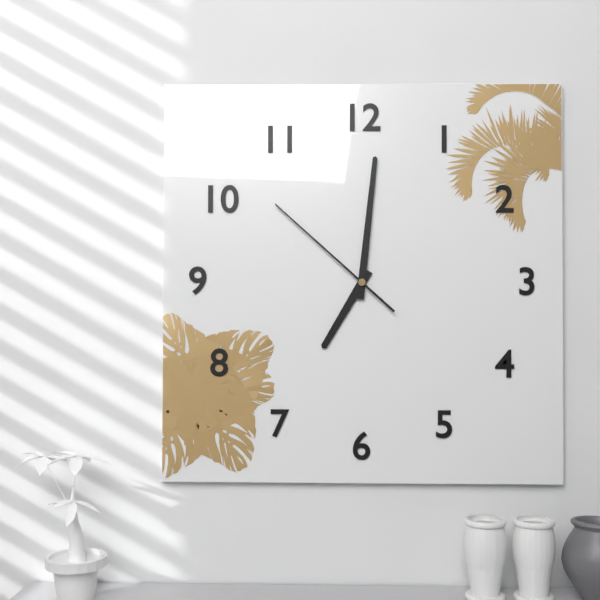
7:01:52
